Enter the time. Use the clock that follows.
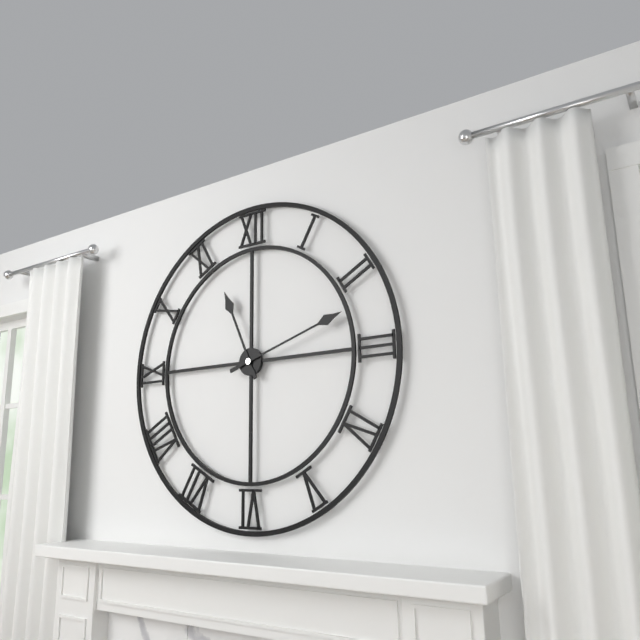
11:12
